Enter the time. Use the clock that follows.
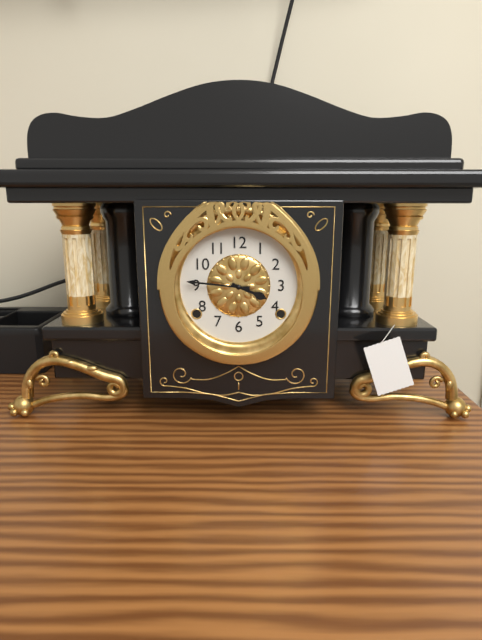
3:46
